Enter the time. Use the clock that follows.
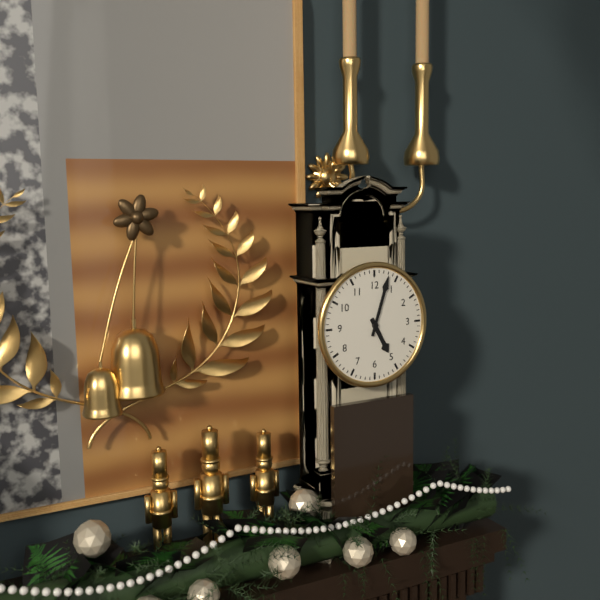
5:03
